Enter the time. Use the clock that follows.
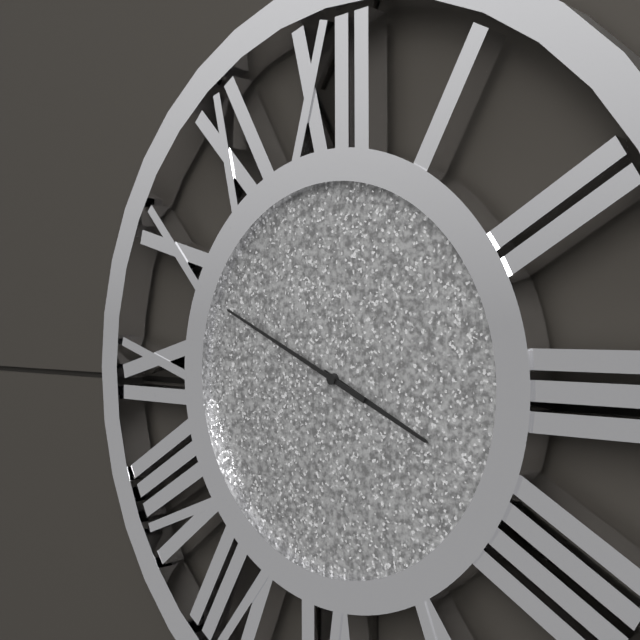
3:49
